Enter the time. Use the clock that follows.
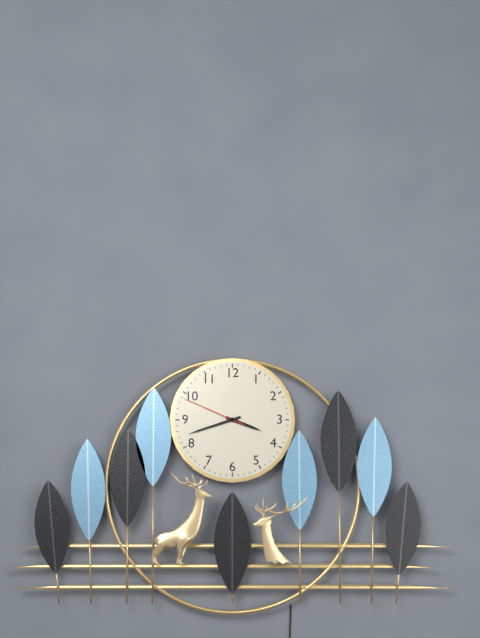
3:42:49
